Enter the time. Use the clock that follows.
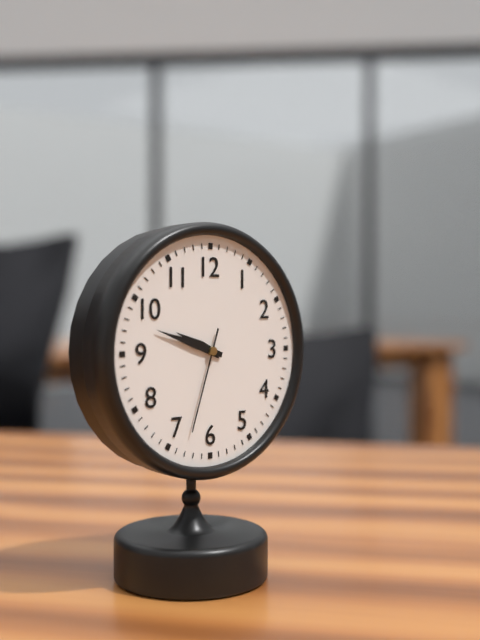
9:48:33
